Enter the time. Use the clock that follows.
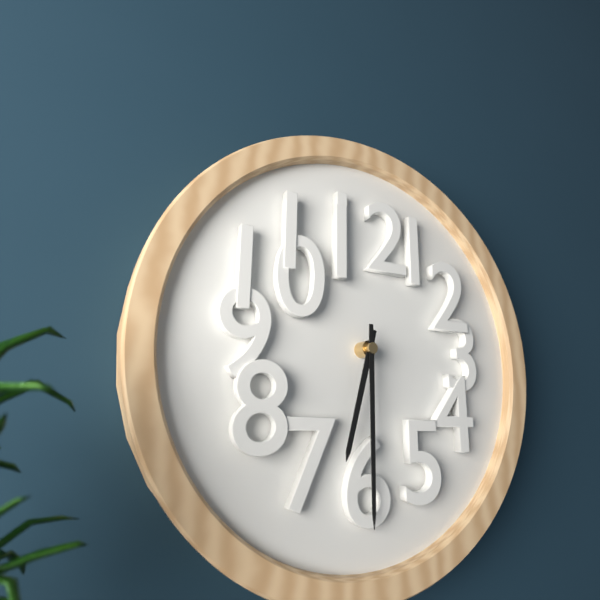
6:30
